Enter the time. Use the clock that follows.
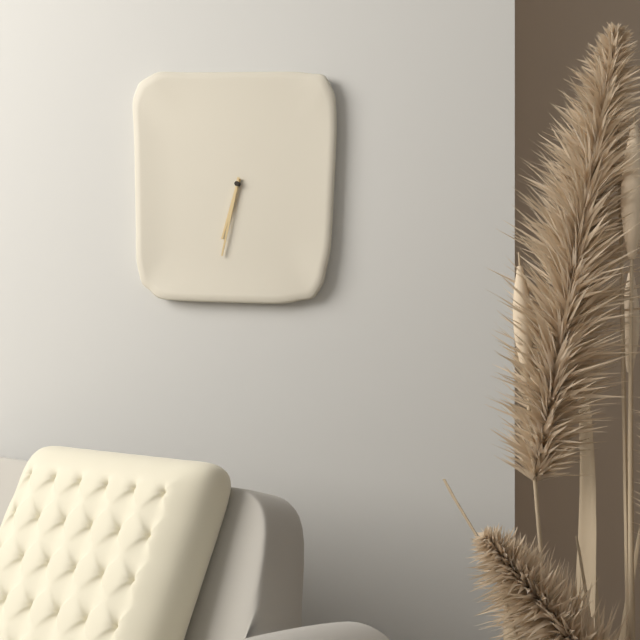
6:32
